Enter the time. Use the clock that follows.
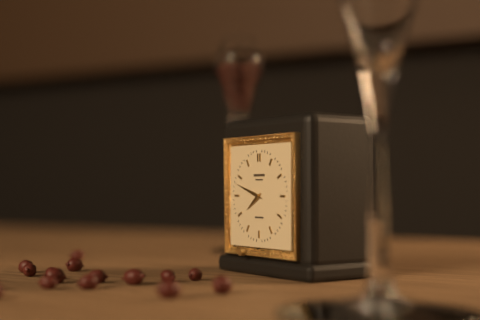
7:48
